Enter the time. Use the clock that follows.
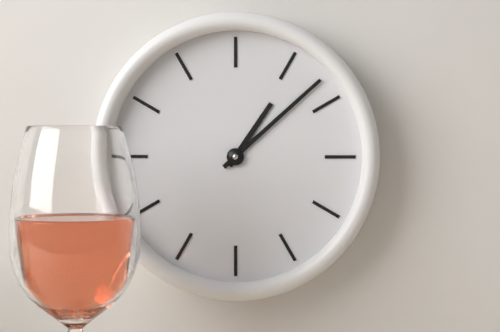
1:08
